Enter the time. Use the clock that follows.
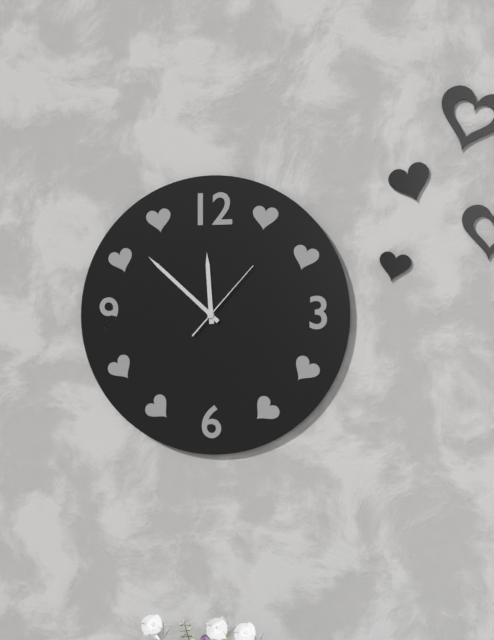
11:52:07
